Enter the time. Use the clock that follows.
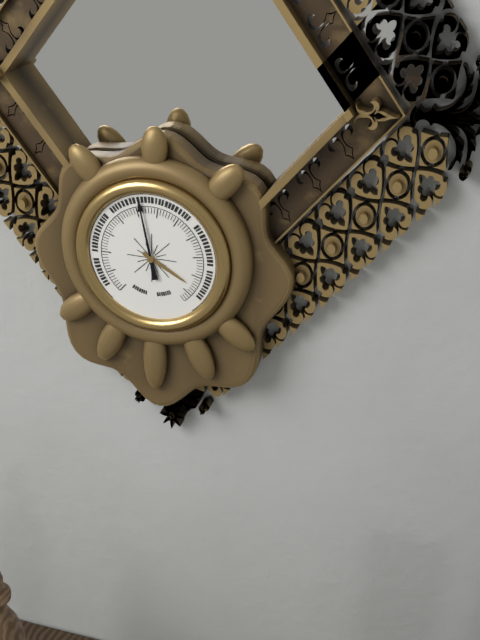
3:58
